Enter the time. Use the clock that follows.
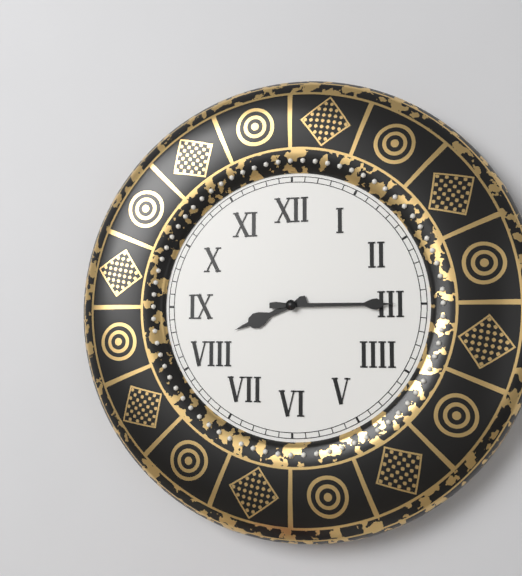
8:15
